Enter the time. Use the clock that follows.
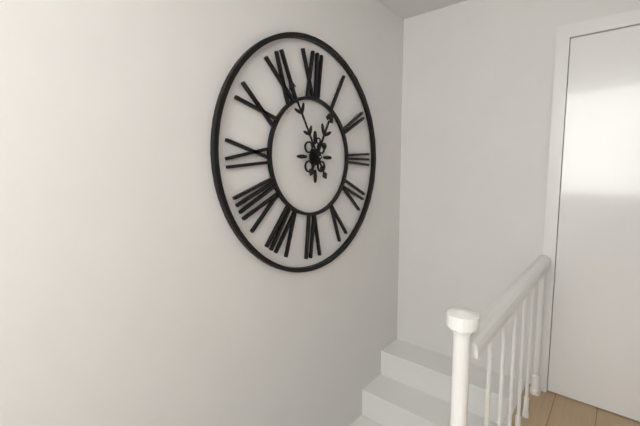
12:55
